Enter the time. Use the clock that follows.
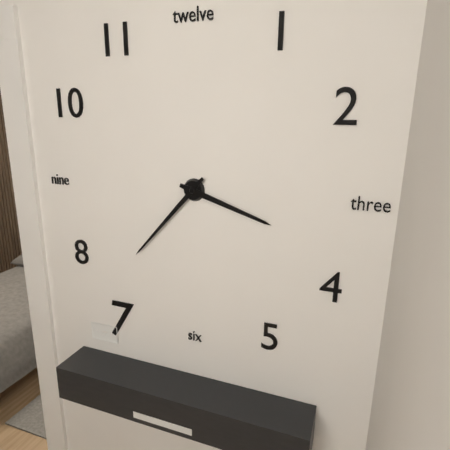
3:37
